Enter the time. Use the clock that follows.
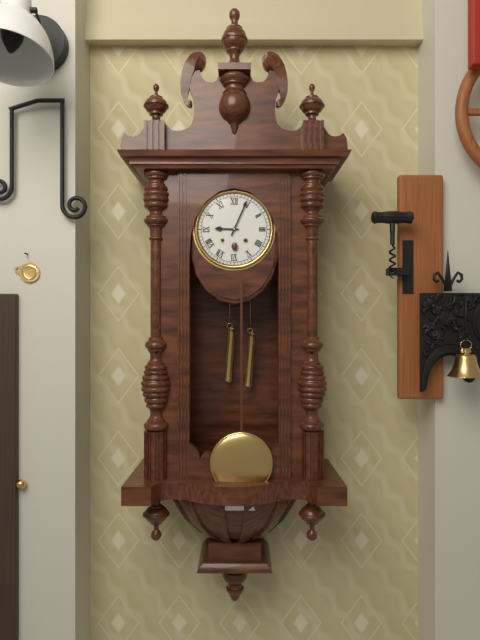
9:04
